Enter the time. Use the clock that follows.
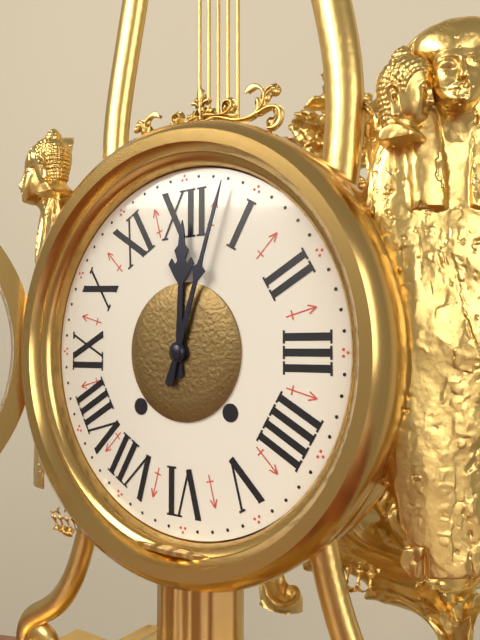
12:03
